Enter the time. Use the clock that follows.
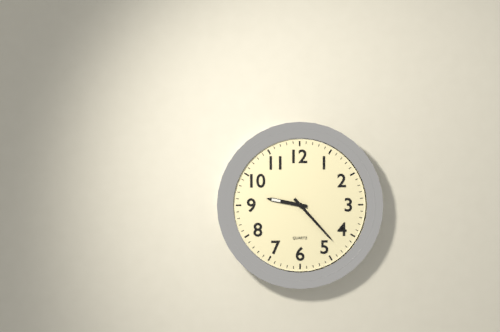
9:23
